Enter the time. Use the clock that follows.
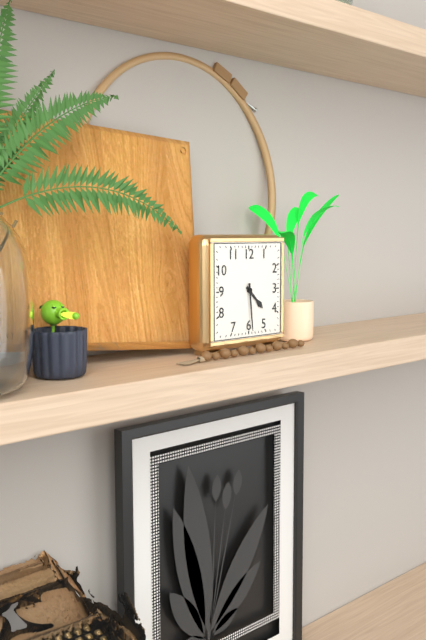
4:29
